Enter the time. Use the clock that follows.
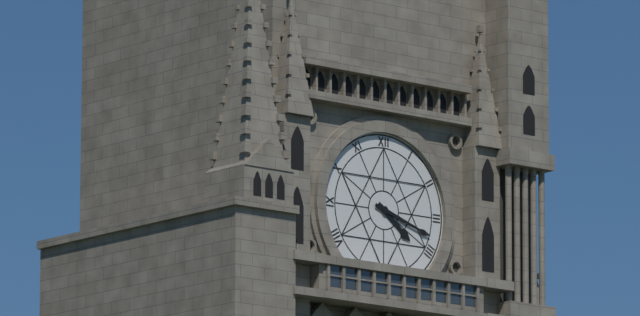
4:18
